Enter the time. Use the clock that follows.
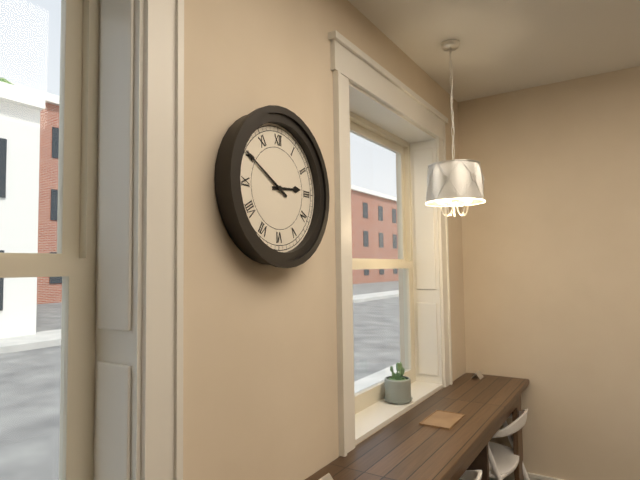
2:50
